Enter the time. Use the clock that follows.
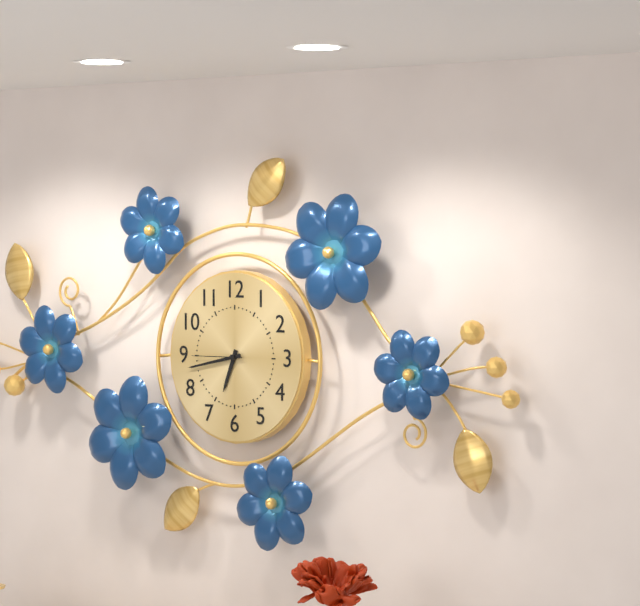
6:43:45
